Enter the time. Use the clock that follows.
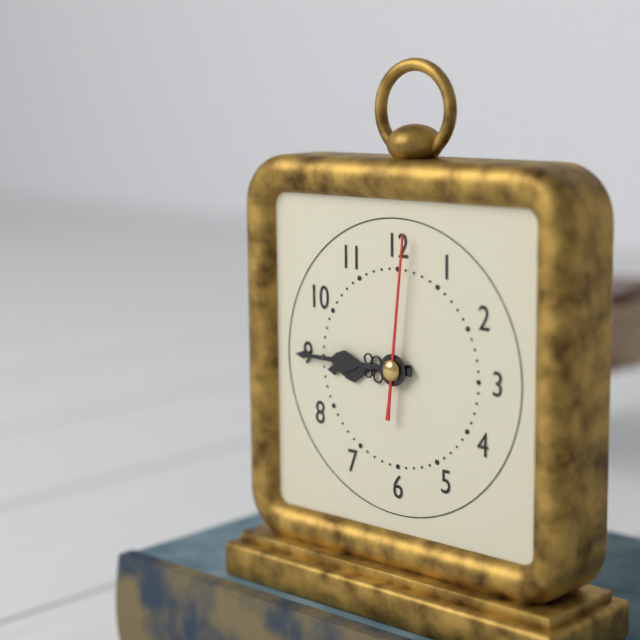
8:45:01
